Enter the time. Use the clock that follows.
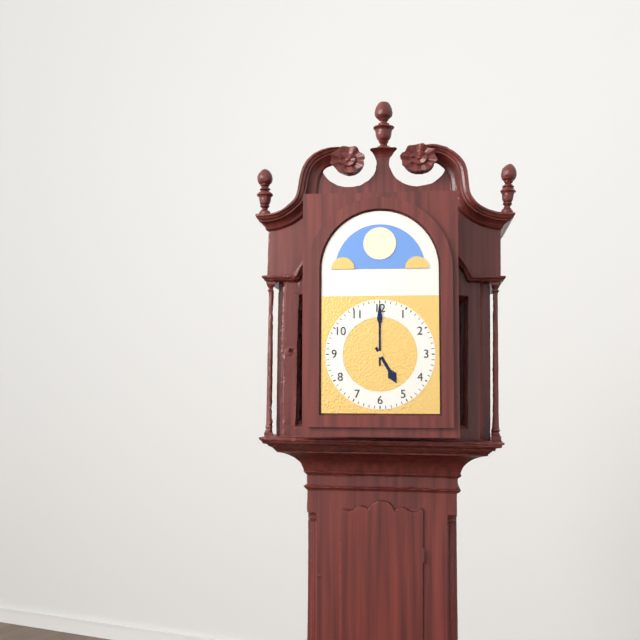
5:00
